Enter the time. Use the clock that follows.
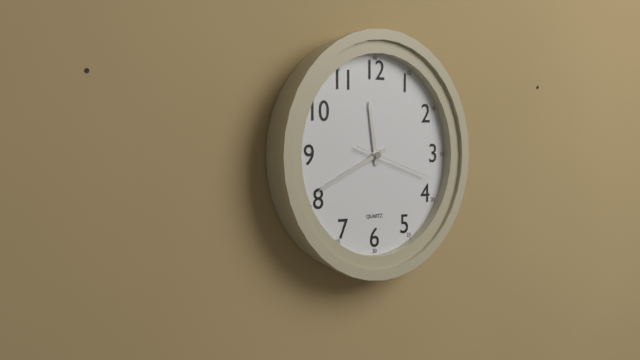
11:41:18
